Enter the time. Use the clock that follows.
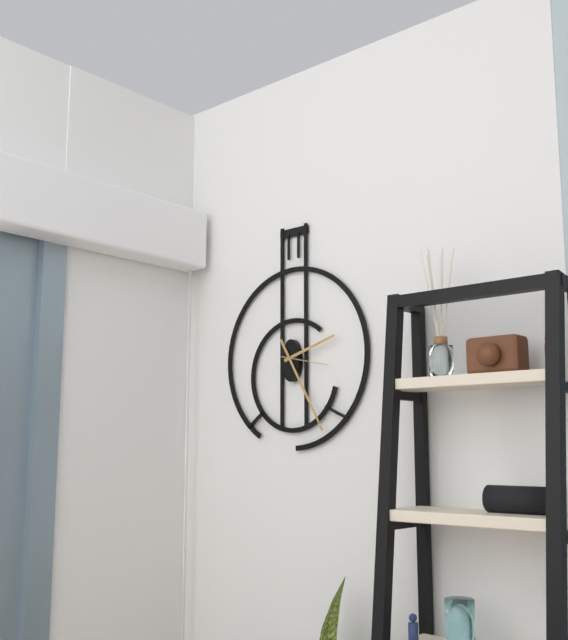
2:25
